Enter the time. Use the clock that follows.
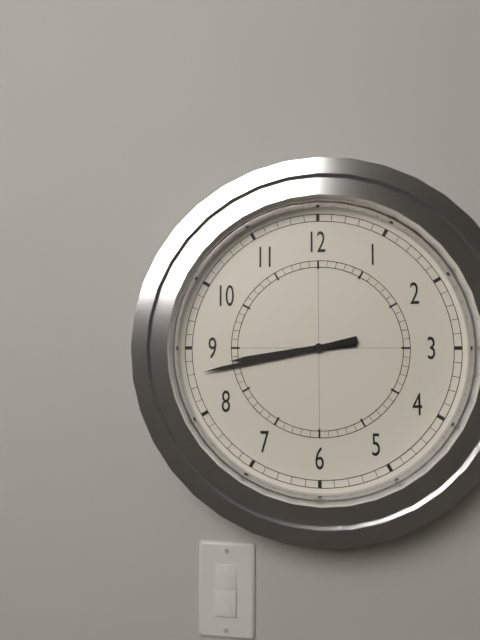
8:43
